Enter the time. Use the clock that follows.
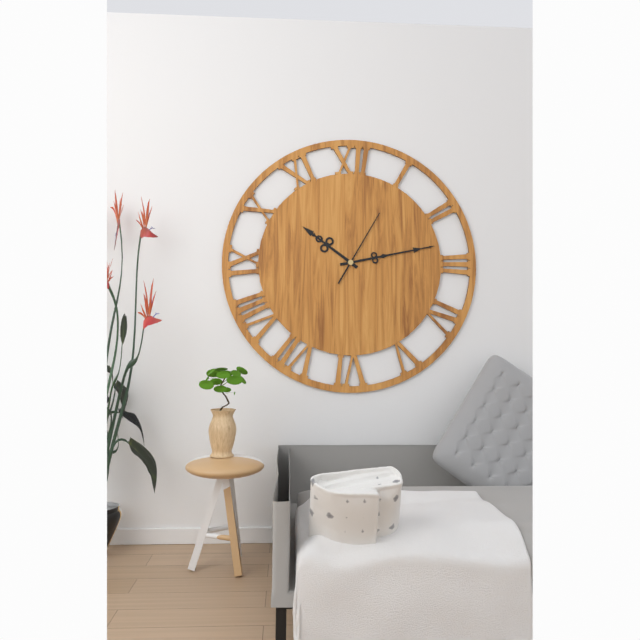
10:13:05
